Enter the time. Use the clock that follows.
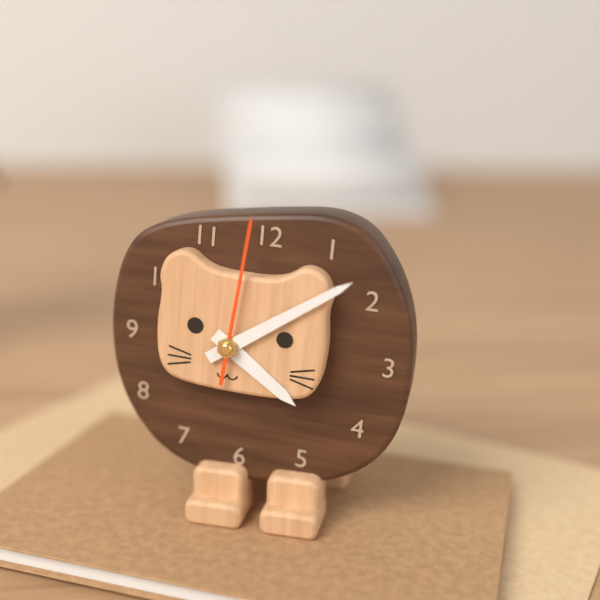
4:09:01
